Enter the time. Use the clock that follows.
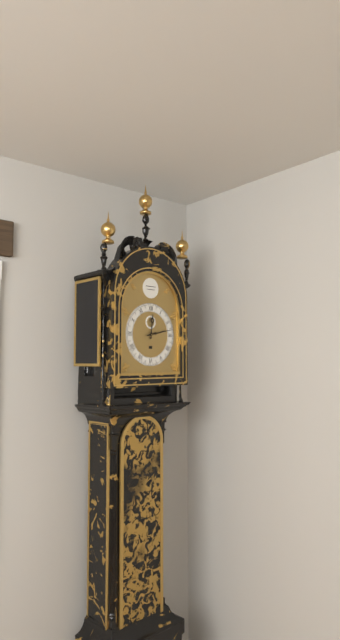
12:13
